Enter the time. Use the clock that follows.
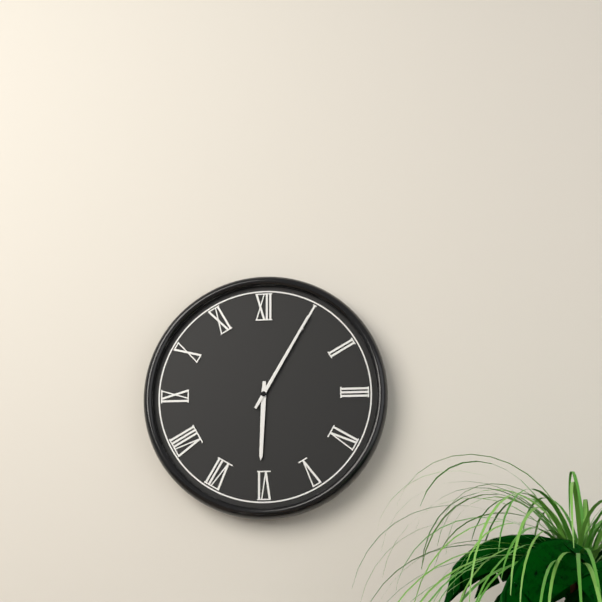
6:05
